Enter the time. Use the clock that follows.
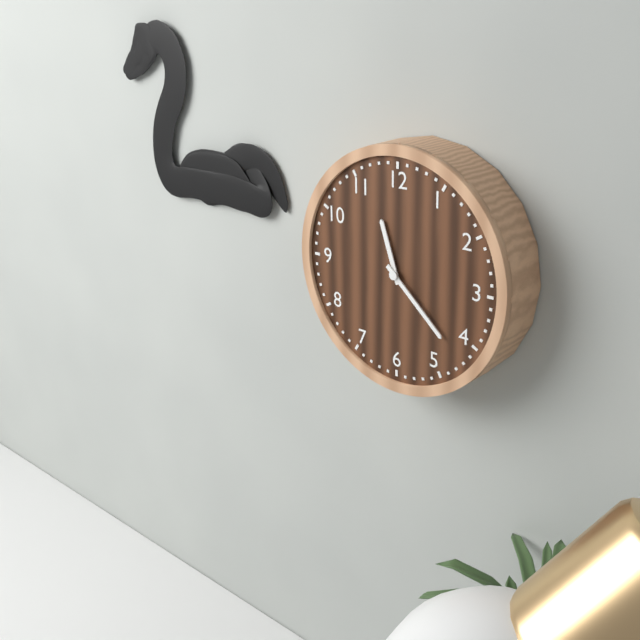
11:22
